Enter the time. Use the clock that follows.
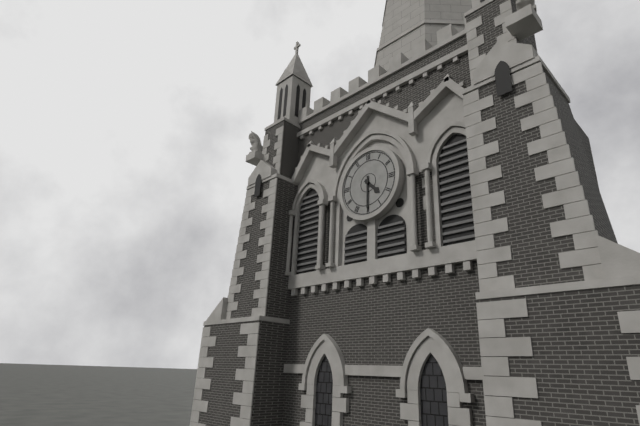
4:30
